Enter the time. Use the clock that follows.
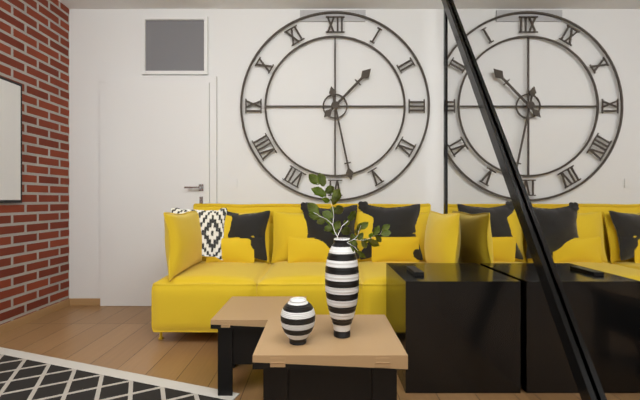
1:28
